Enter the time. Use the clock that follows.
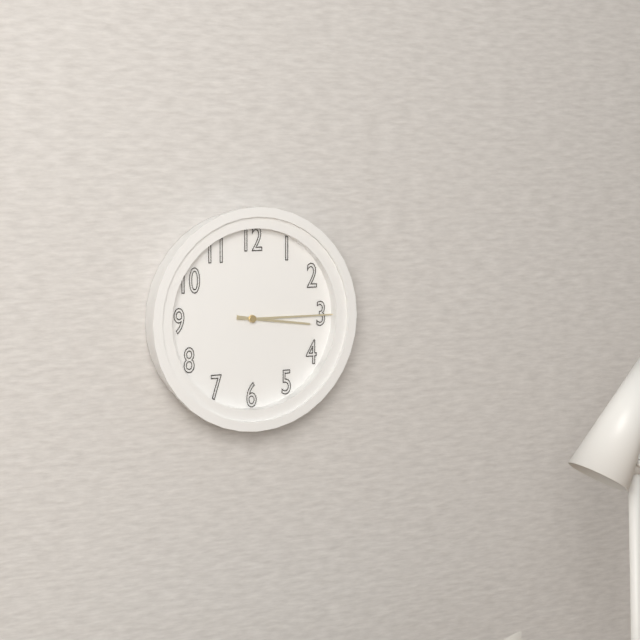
3:15
